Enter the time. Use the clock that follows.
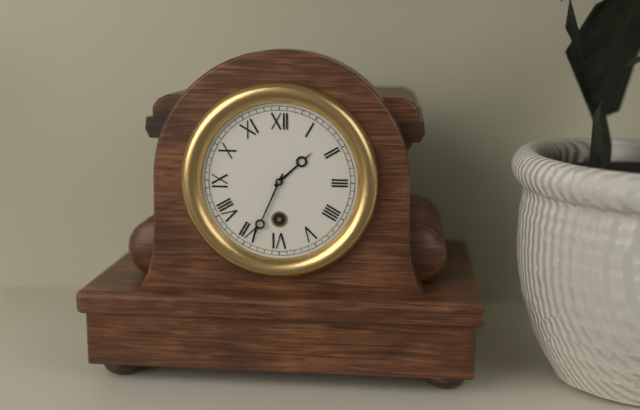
1:34
